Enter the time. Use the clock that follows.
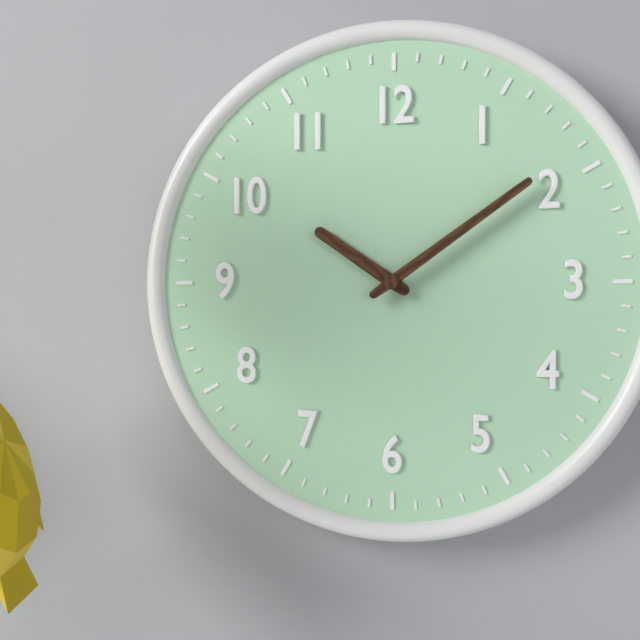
10:09
